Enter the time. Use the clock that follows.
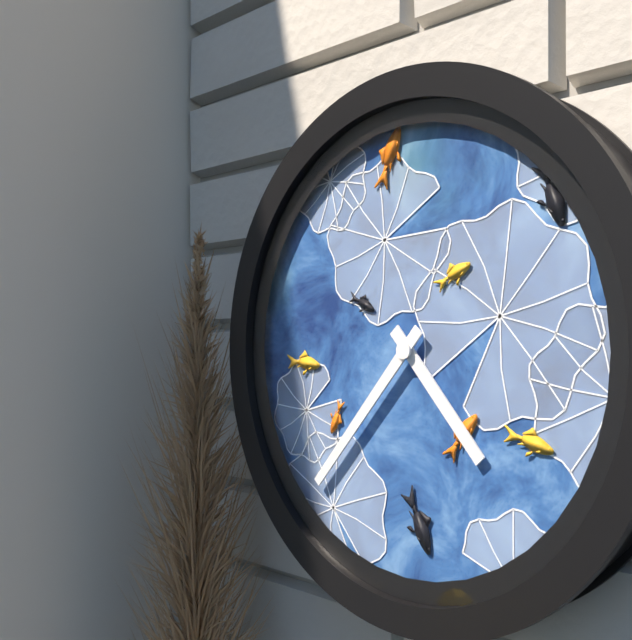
4:37
